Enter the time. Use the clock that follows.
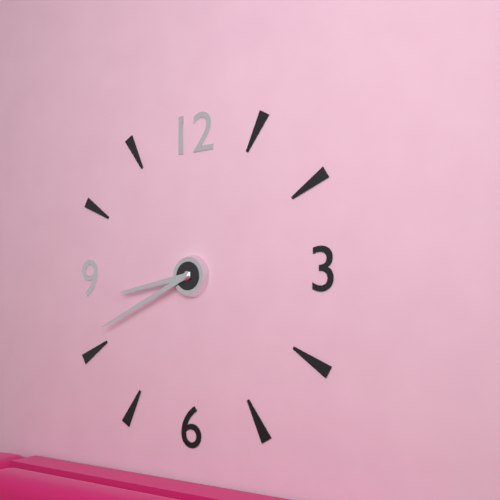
8:41
